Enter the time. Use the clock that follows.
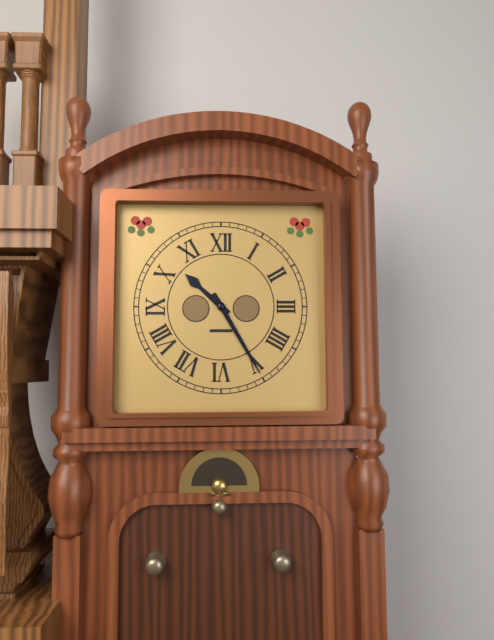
10:25
